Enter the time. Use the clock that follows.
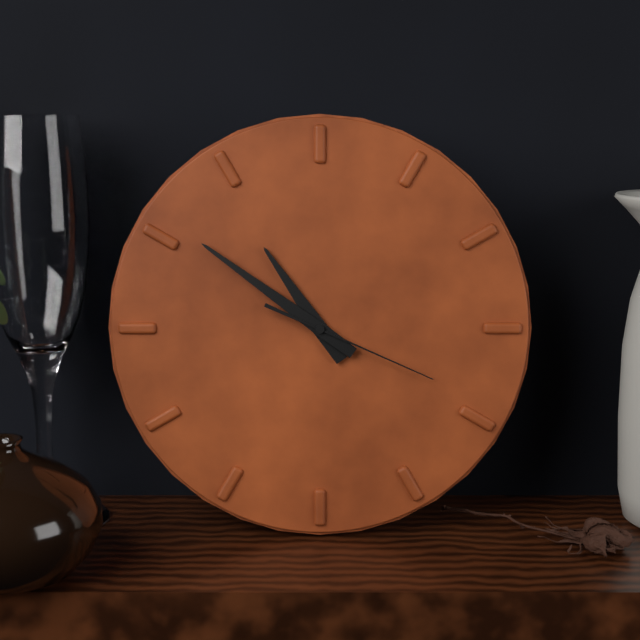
10:51:19
